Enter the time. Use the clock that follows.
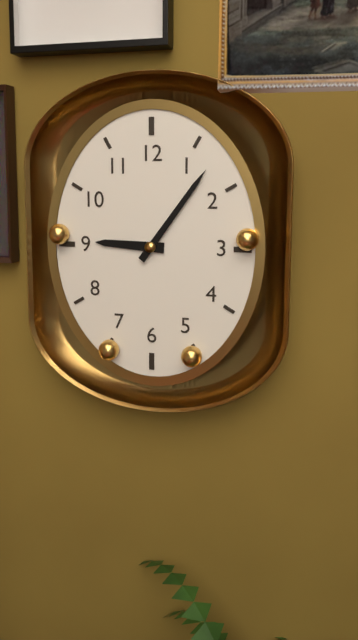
9:06
